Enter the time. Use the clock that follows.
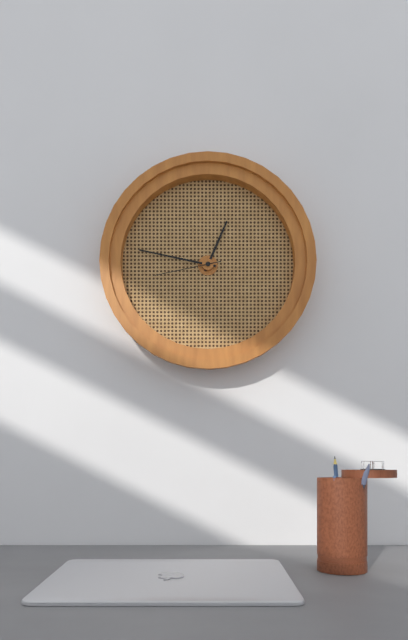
12:47:43
